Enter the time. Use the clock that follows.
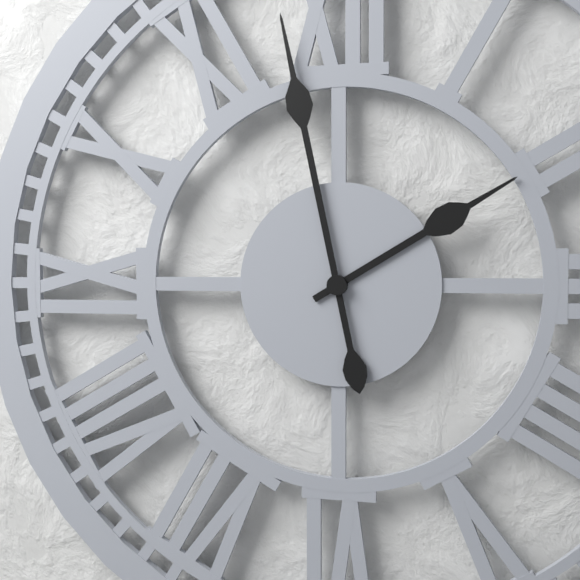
1:58
